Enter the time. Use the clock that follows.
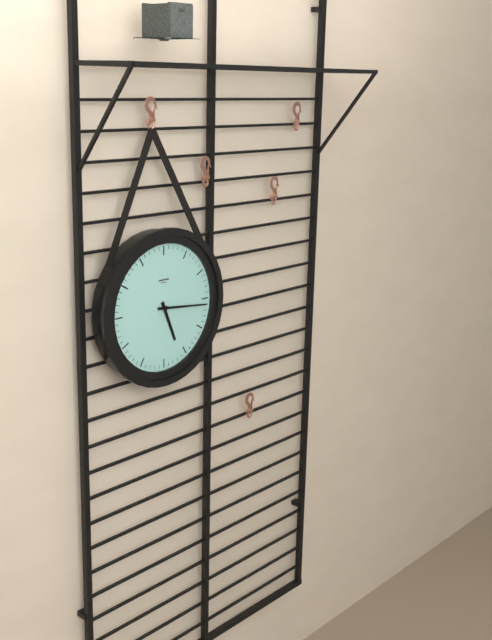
5:16
